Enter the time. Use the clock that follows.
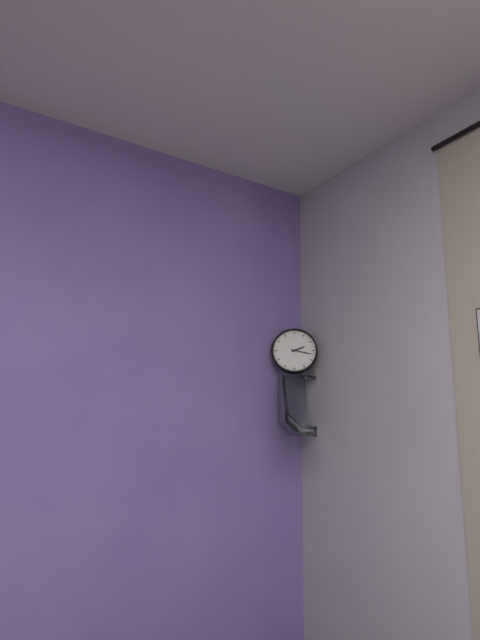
2:17
